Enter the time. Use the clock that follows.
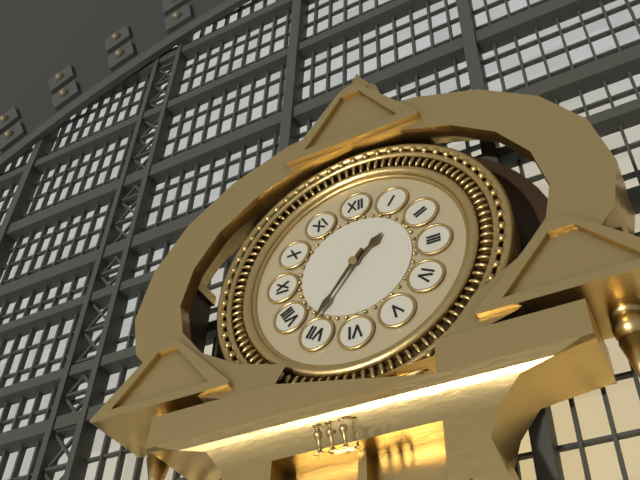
1:36
